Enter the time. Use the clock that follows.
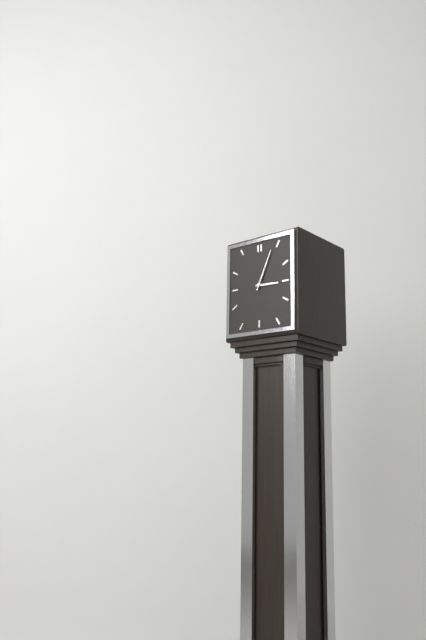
3:04
